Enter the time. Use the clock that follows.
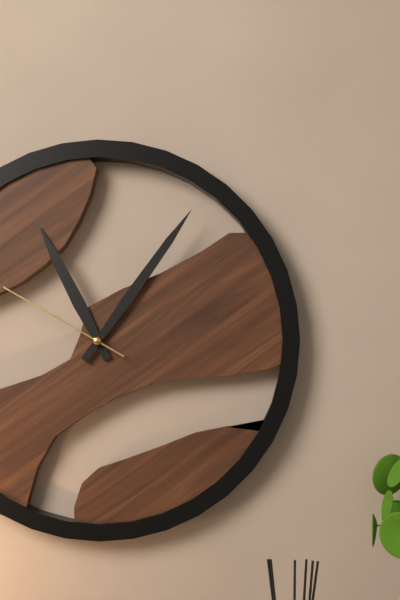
11:06:50
